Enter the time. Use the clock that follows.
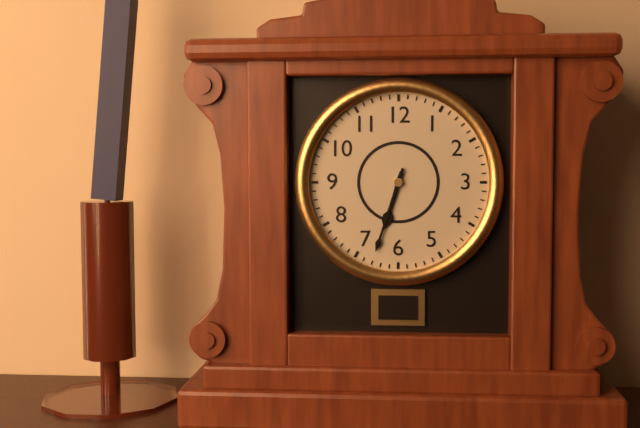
6:33
